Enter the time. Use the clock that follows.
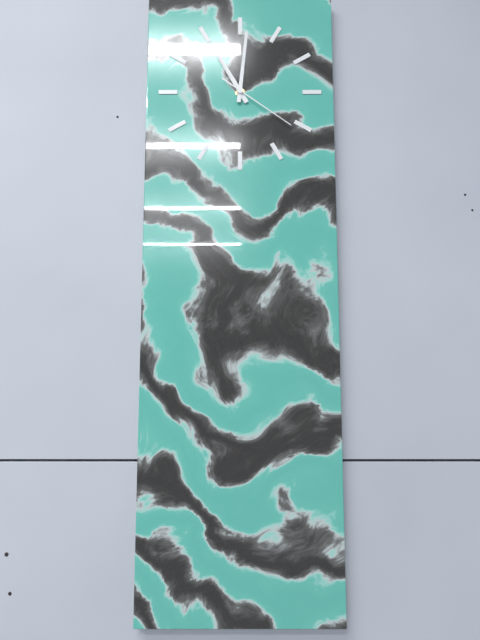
11:01:21
